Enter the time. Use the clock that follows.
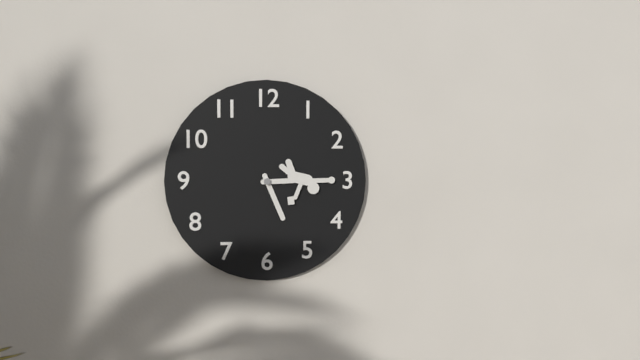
5:14
